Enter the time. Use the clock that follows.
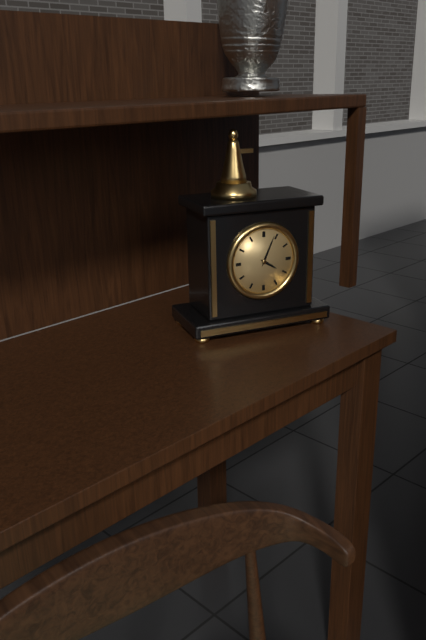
4:04
